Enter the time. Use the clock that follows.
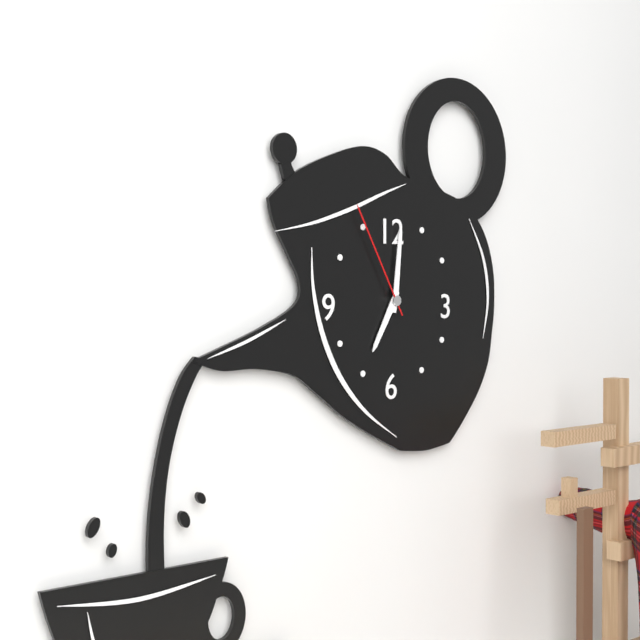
7:01:55
